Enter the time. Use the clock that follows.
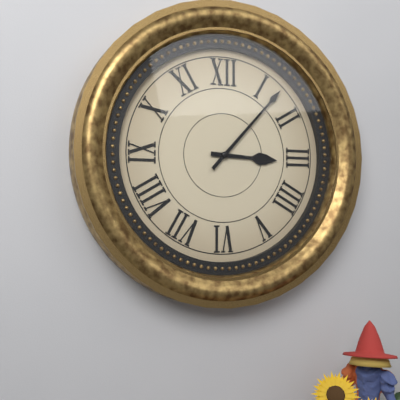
3:07
